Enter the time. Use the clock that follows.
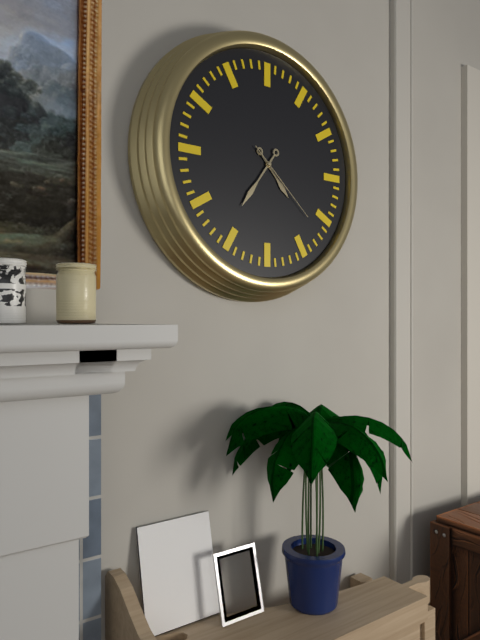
4:36:22
